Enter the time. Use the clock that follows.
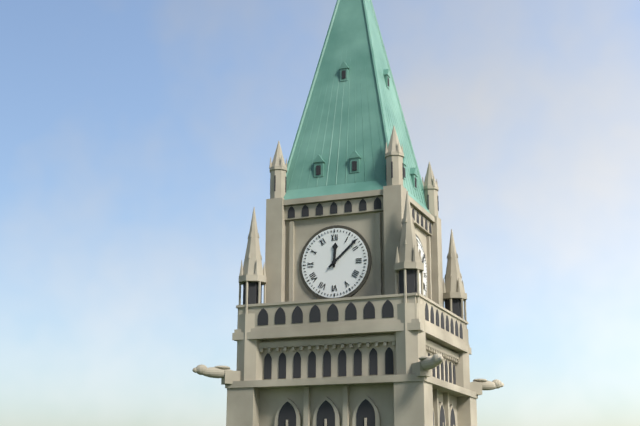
12:08
